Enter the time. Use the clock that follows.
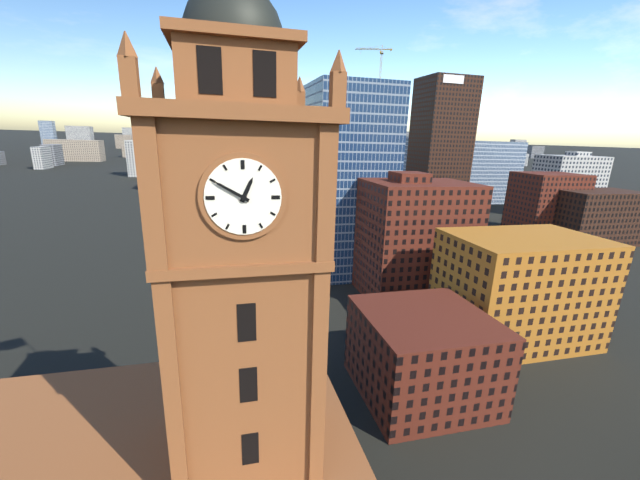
12:50
